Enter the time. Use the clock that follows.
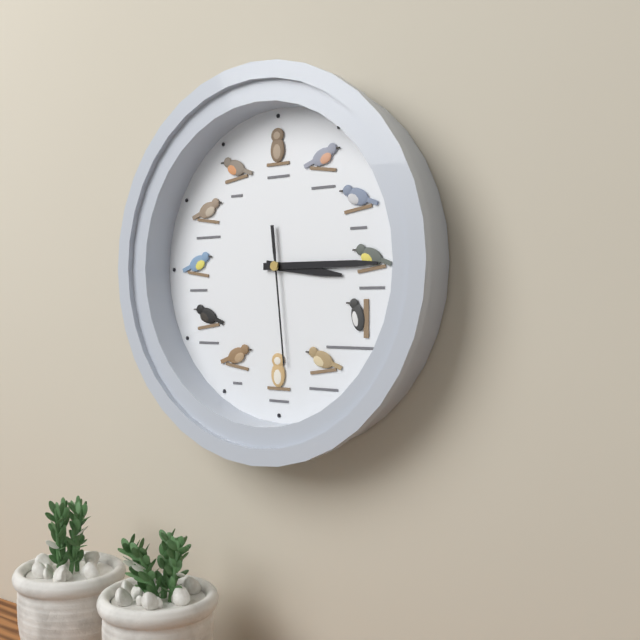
3:15:29
